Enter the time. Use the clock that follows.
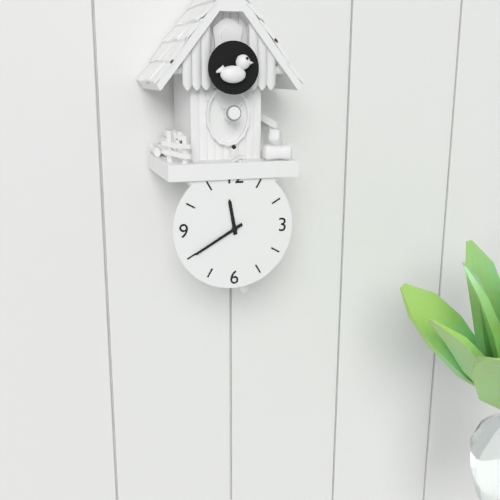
11:40
